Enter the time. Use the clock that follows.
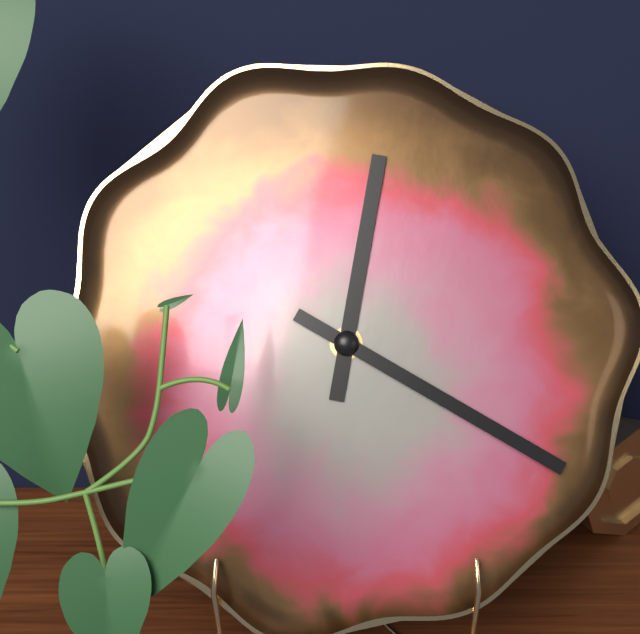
12:20
